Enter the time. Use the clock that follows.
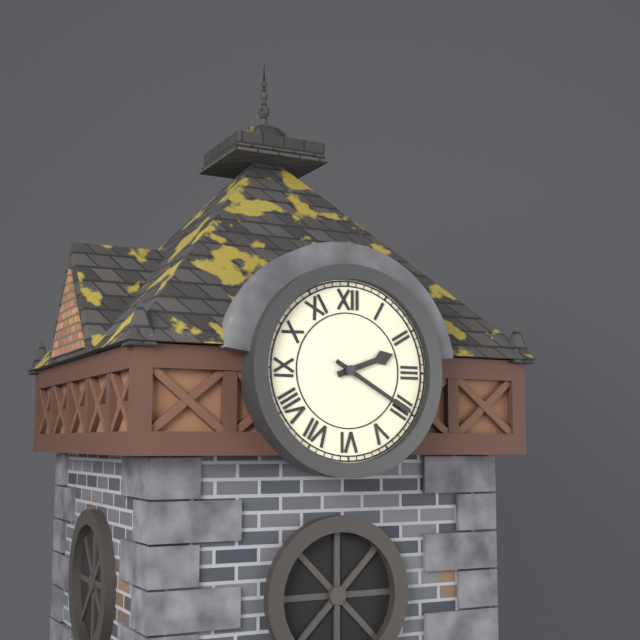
2:20
